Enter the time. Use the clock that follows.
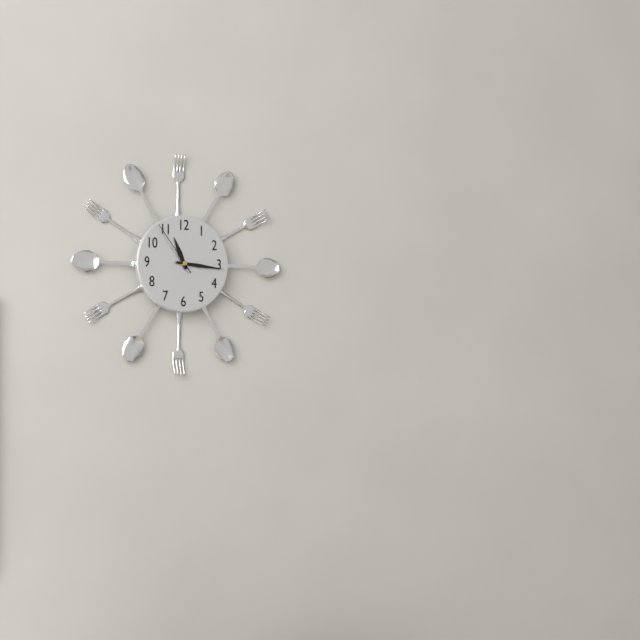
11:16:54
